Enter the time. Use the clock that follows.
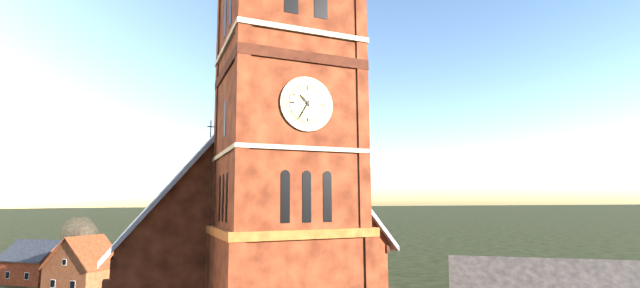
10:35
